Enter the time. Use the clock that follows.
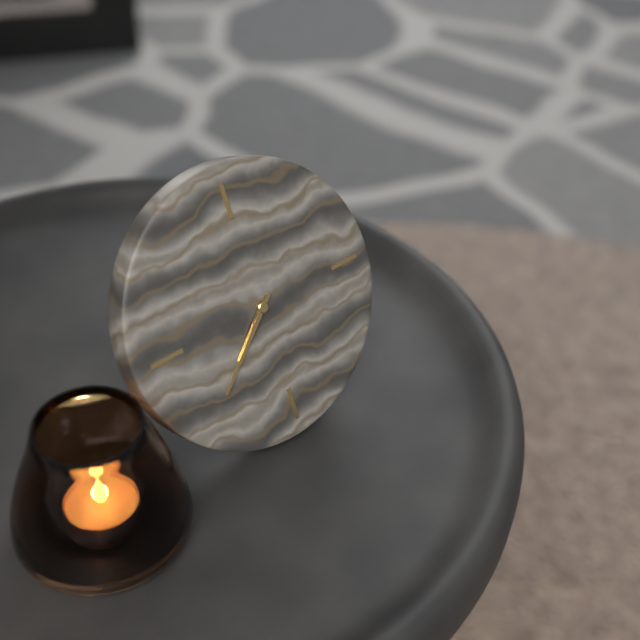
7:38
